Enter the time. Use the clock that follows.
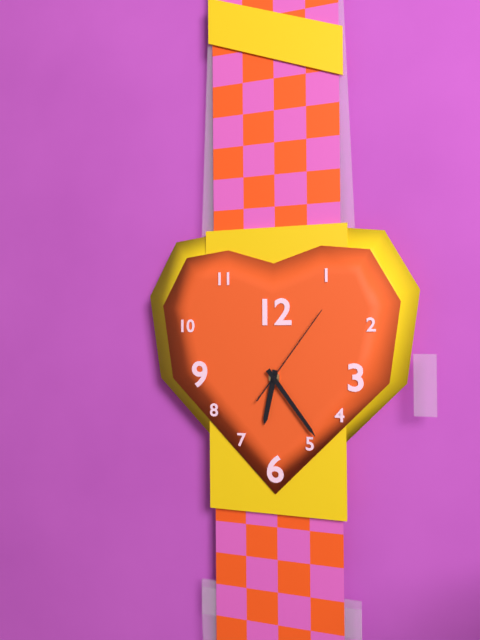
6:24:06
